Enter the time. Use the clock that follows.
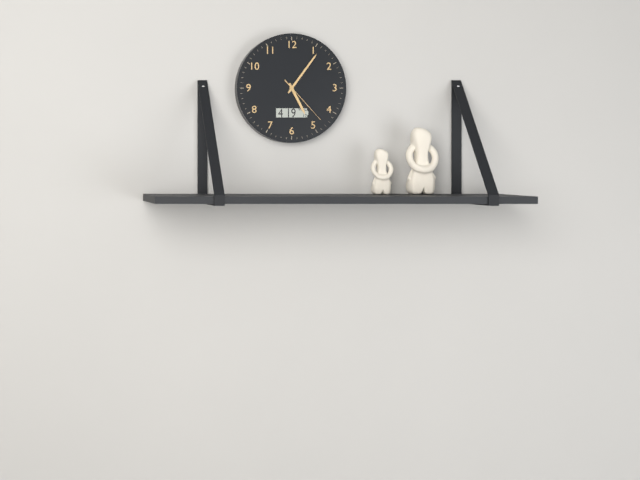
5:06:23
